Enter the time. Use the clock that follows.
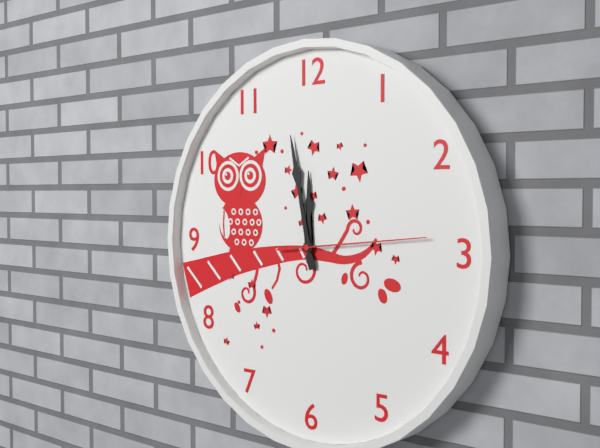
11:58:14
